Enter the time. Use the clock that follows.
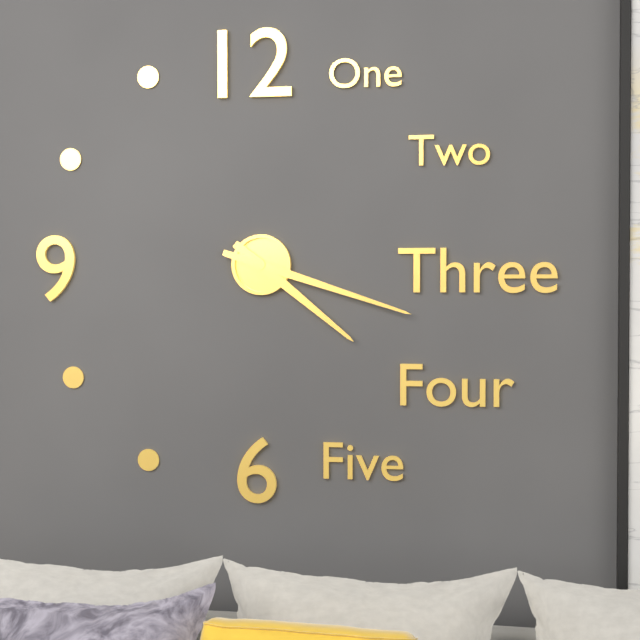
4:18
